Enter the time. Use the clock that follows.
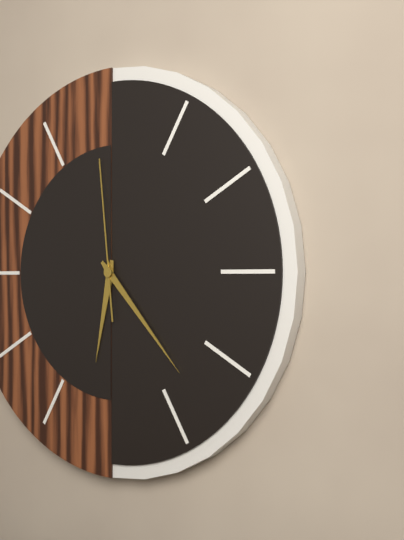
6:23:59
